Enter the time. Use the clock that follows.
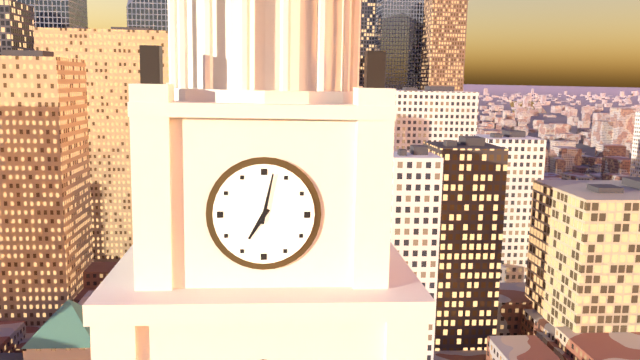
7:02
